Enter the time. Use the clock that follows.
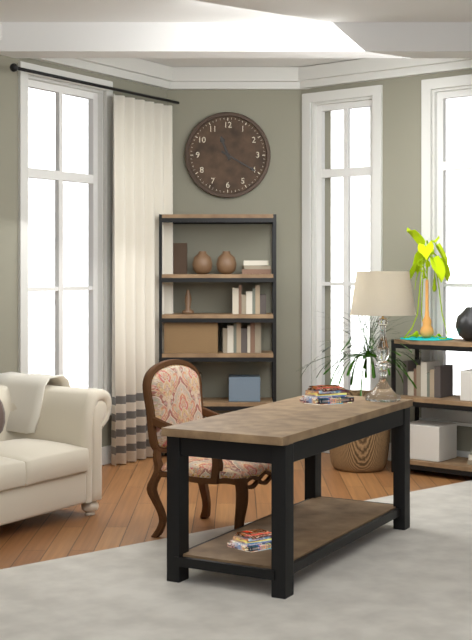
11:20
